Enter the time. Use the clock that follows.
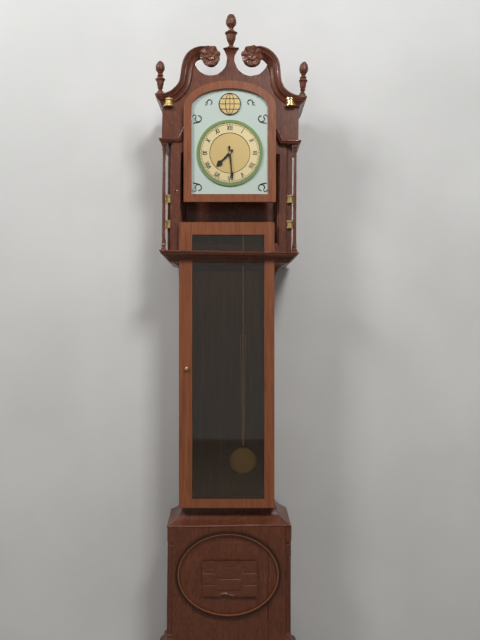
7:29
